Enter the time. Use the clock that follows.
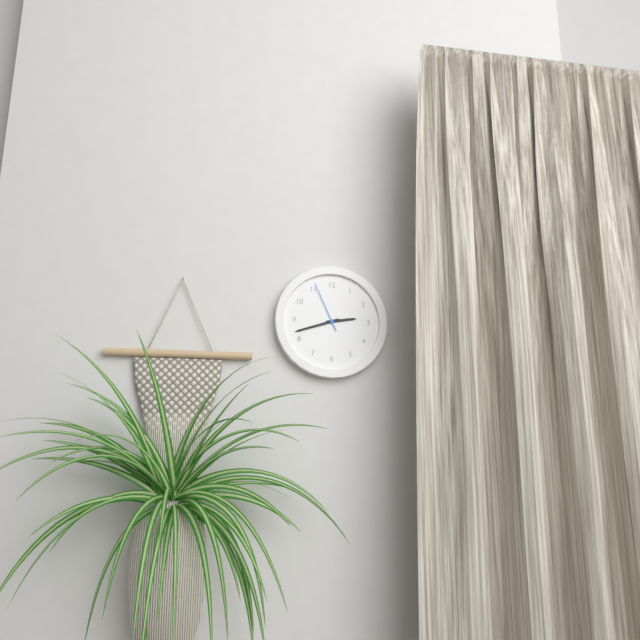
2:42:56
